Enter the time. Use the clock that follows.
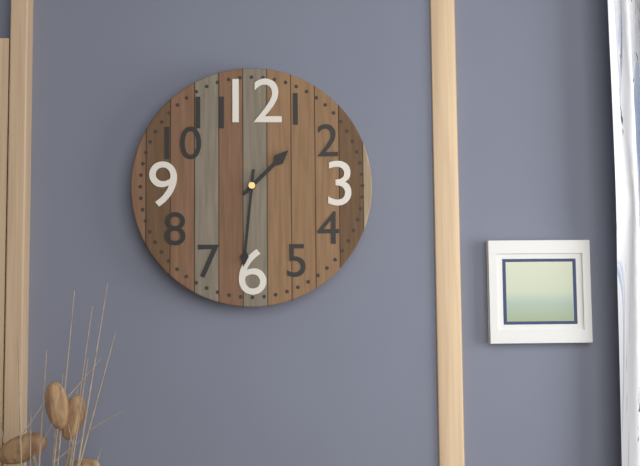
1:31
